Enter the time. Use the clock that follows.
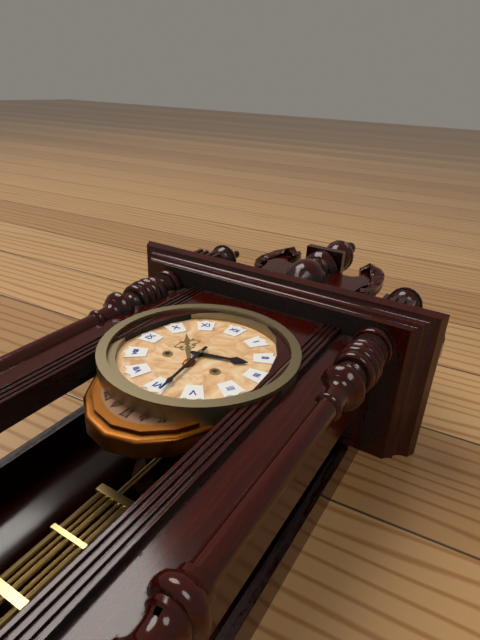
2:29
